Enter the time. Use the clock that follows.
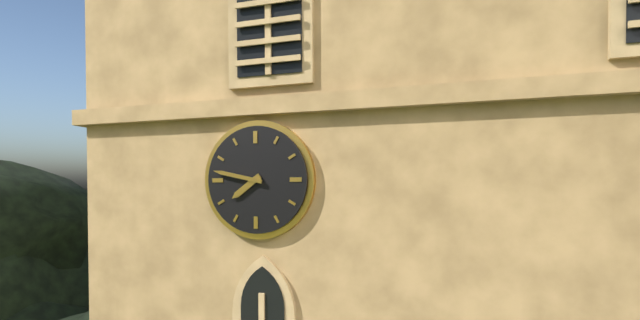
7:47
